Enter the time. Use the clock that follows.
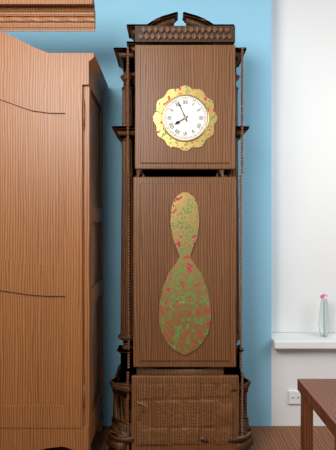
7:56
